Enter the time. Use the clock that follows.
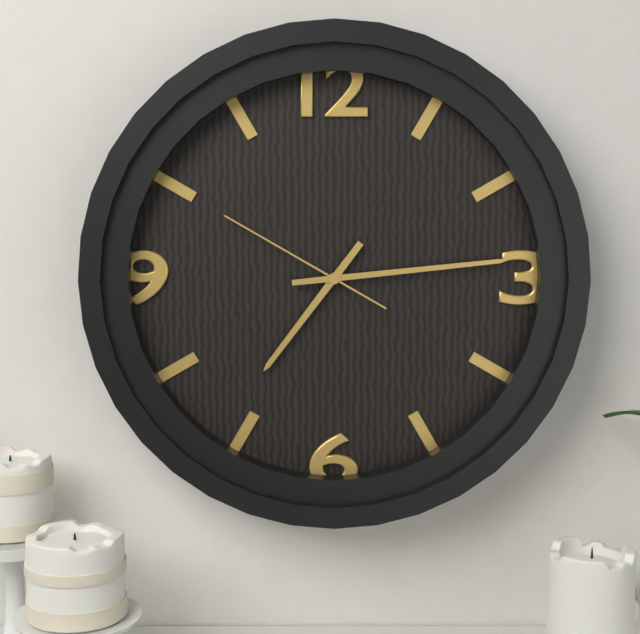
7:14:50
